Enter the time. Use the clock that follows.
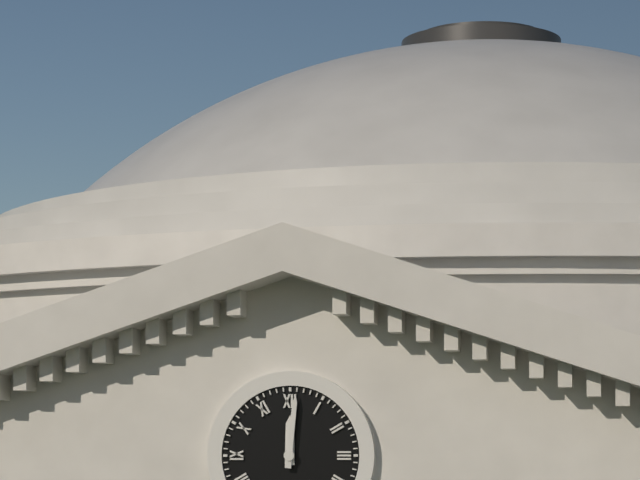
12:01
